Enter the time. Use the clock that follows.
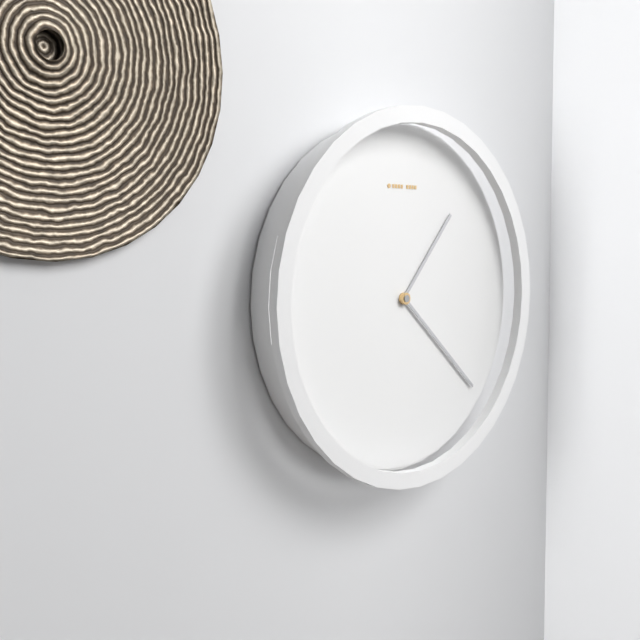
1:22
